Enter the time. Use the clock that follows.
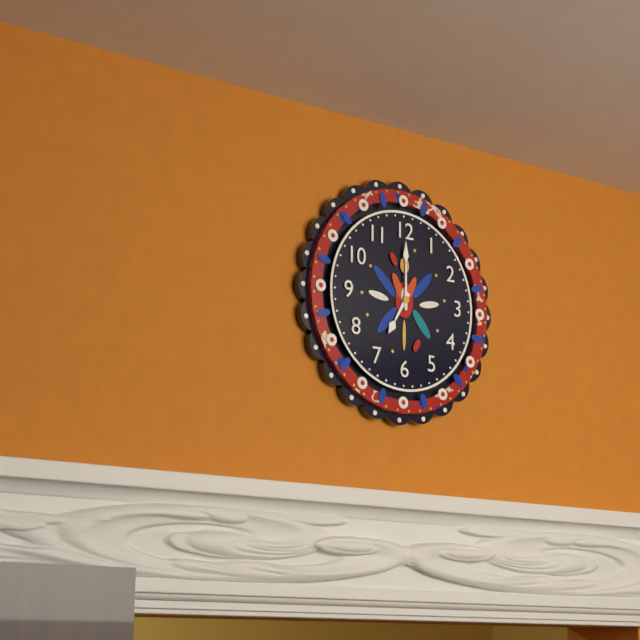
7:00
